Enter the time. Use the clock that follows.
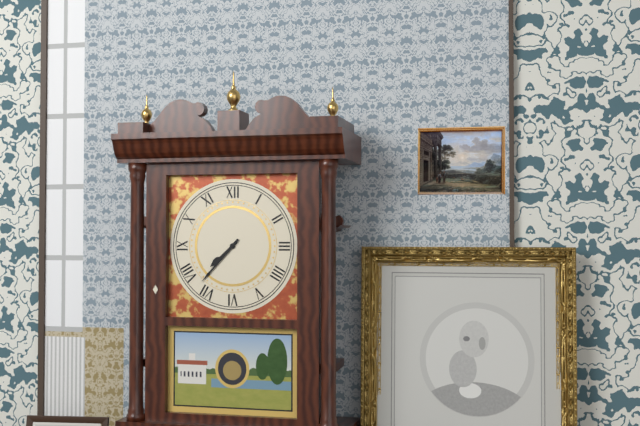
7:37
